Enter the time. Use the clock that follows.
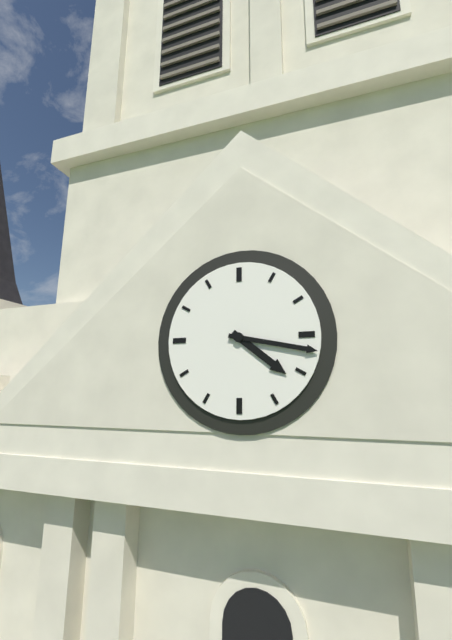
4:17
